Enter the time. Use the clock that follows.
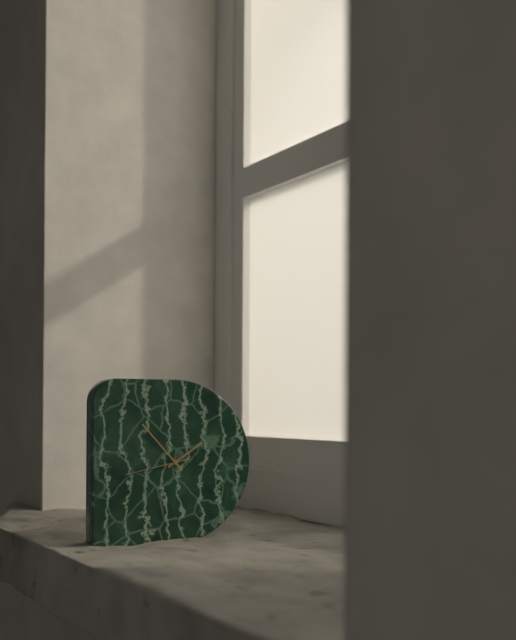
1:53:43
